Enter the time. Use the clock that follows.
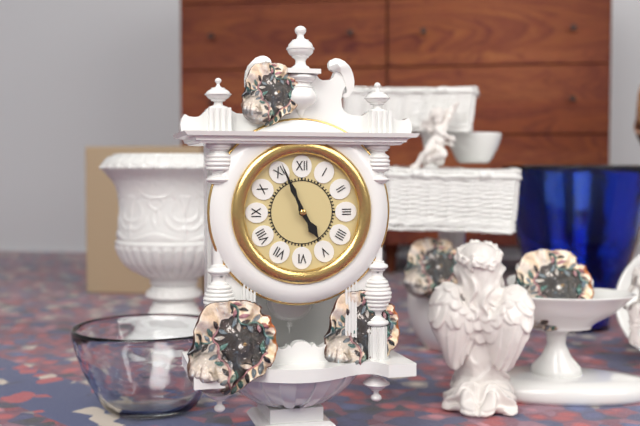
4:56
